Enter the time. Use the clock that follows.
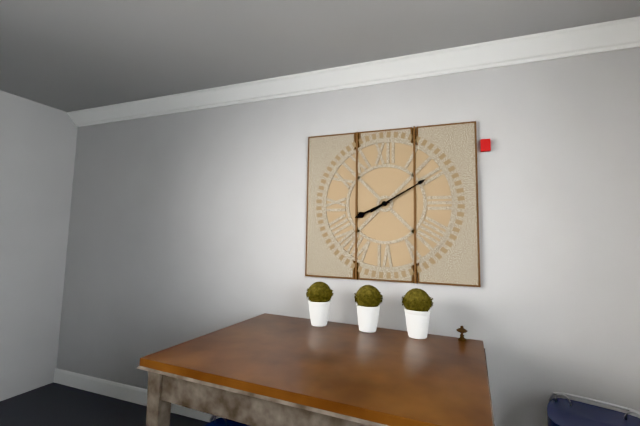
8:10
